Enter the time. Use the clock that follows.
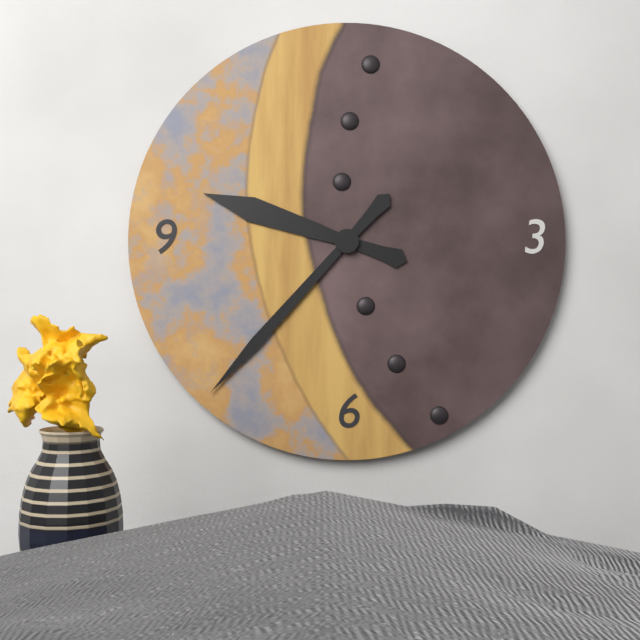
9:37
